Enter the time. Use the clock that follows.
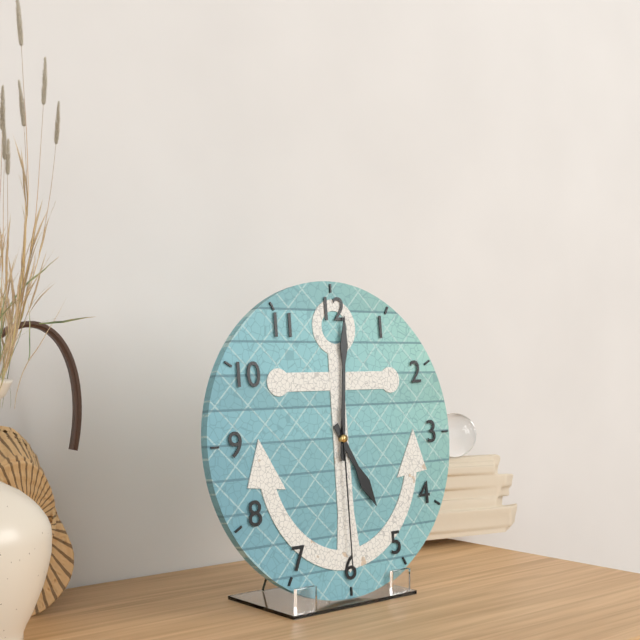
5:01:30
